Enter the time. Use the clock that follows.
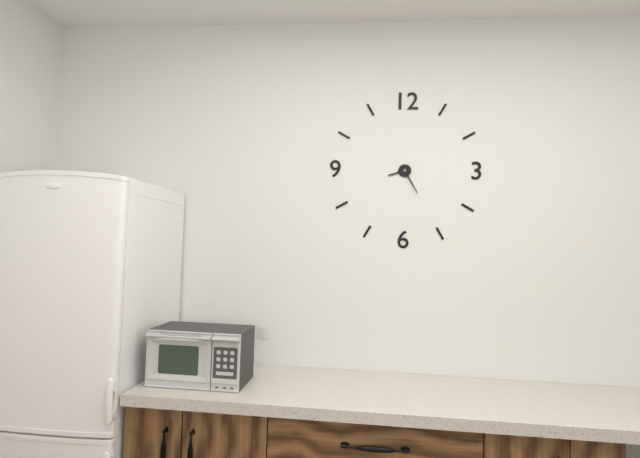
8:25
